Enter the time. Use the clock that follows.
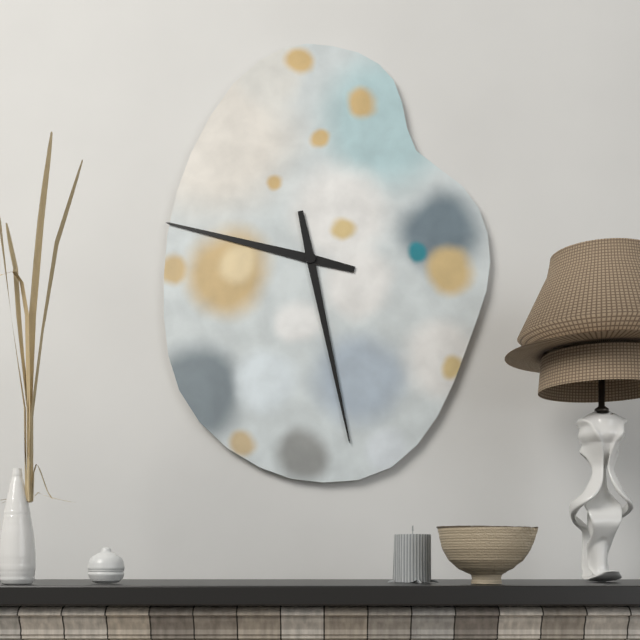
9:28
